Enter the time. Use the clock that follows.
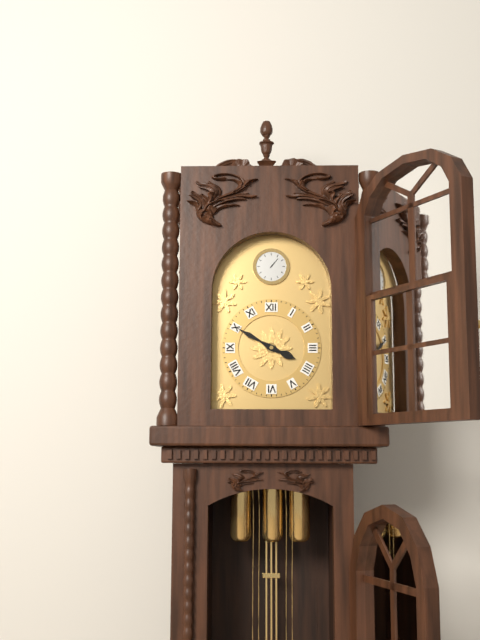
3:50
